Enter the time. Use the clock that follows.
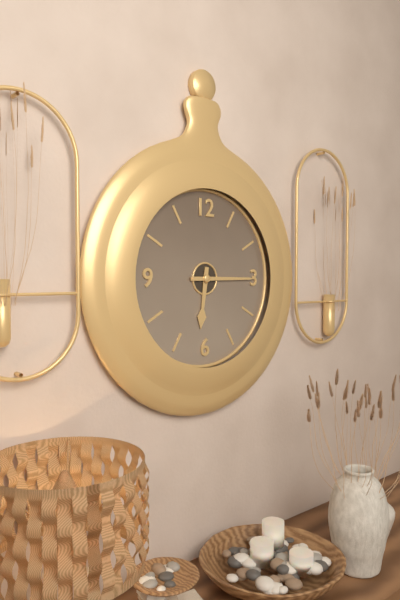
6:15
